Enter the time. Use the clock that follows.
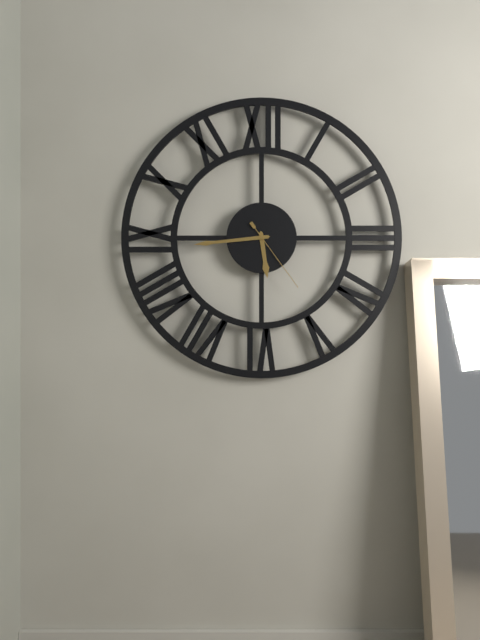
5:44:24
